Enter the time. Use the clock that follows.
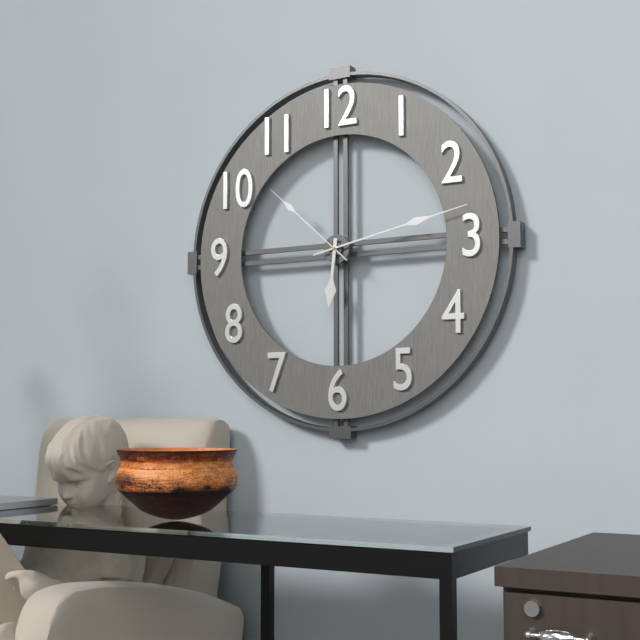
6:13:52
